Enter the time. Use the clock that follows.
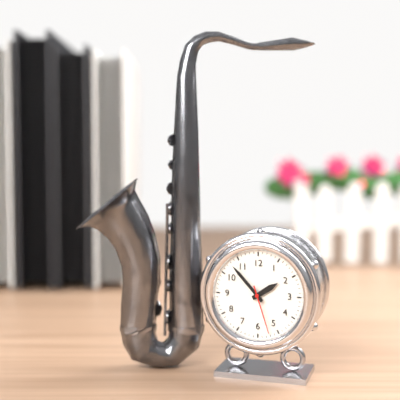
1:53
